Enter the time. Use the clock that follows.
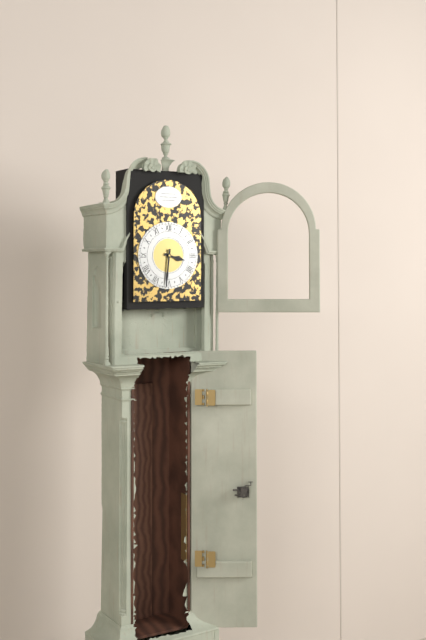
3:31
